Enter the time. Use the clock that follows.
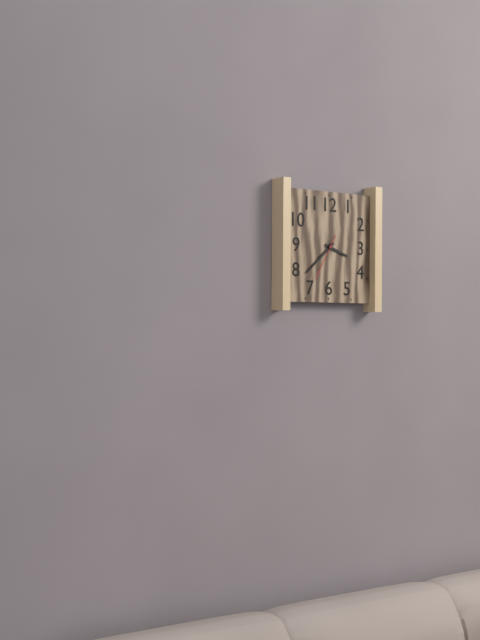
3:38
